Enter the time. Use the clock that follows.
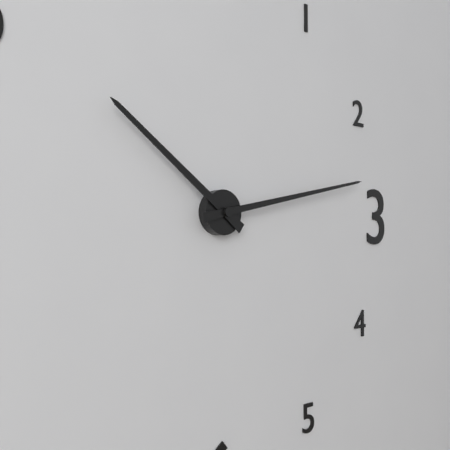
10:13
